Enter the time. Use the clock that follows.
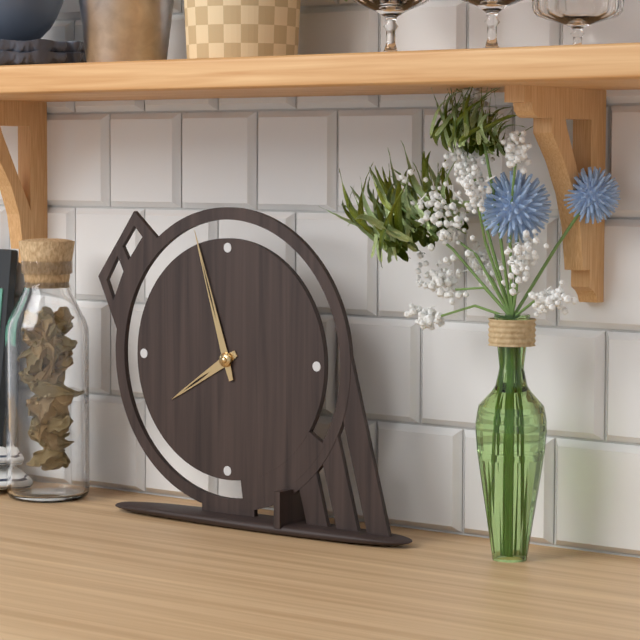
7:57
